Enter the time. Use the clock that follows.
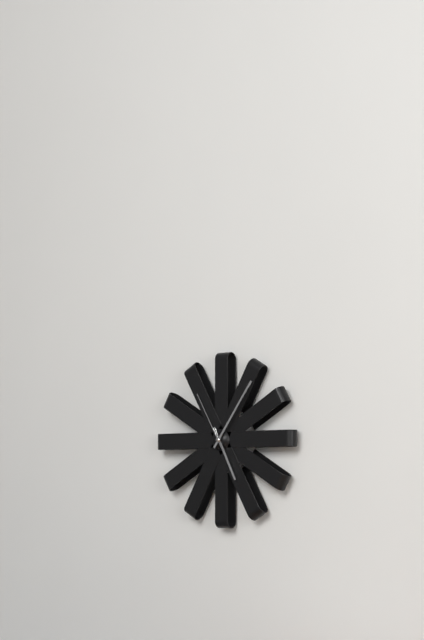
5:06:55
